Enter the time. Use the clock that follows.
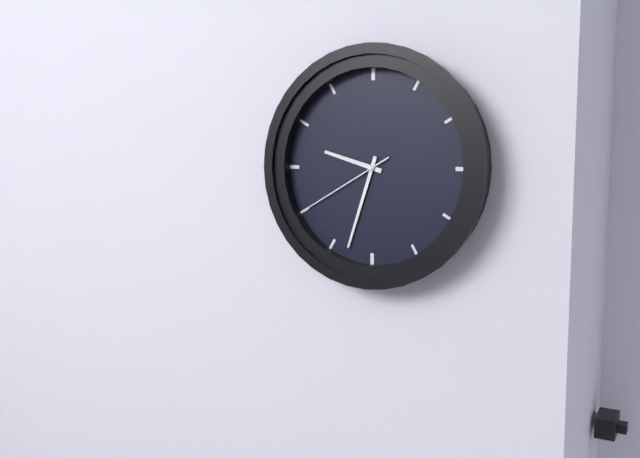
9:33:40
